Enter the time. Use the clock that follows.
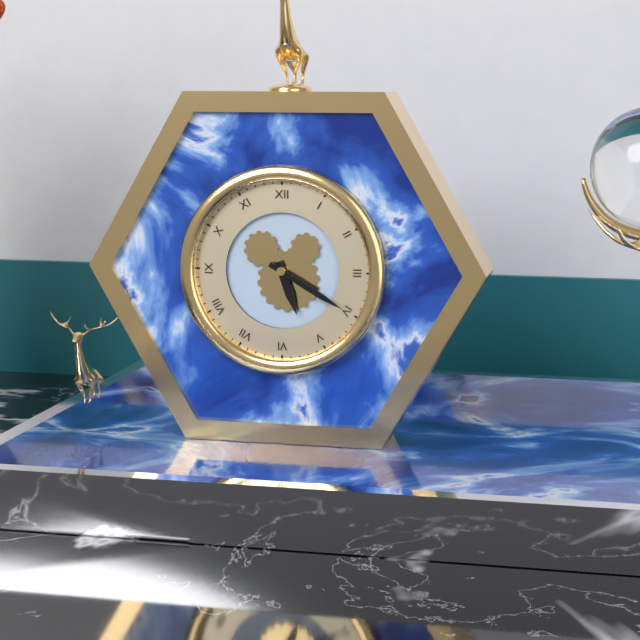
5:20
